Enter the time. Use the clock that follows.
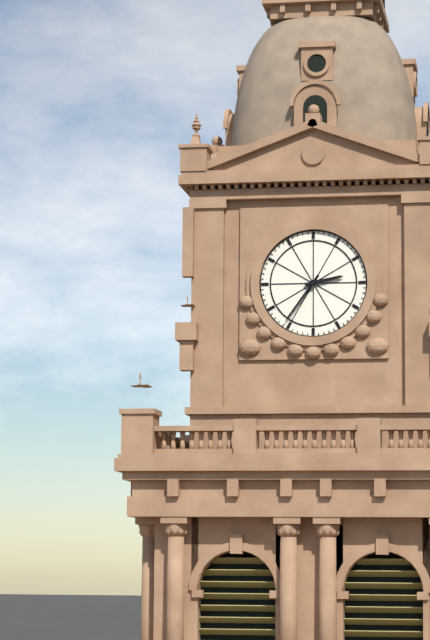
2:36
